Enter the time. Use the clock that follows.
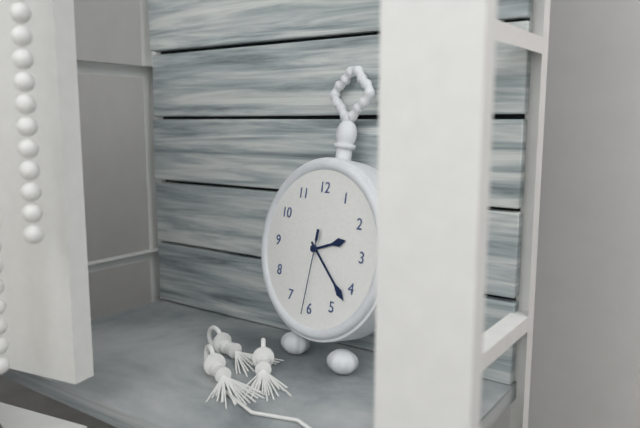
2:22:31
